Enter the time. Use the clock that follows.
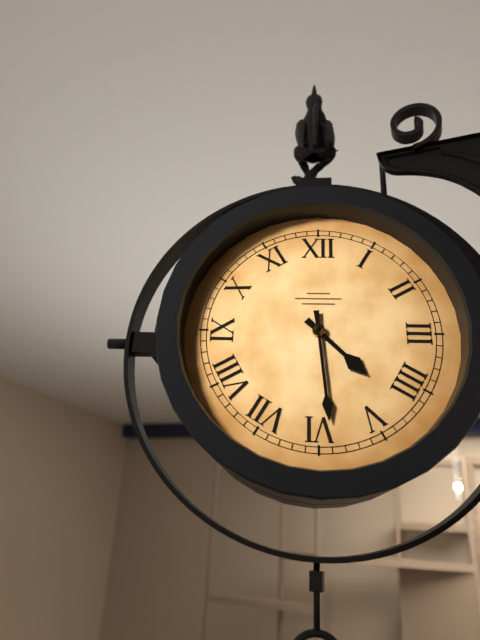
4:29
